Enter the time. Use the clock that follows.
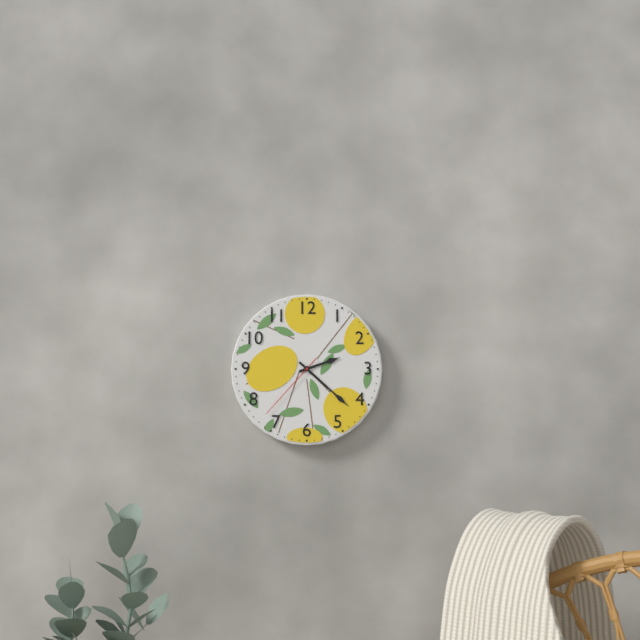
2:22:37
